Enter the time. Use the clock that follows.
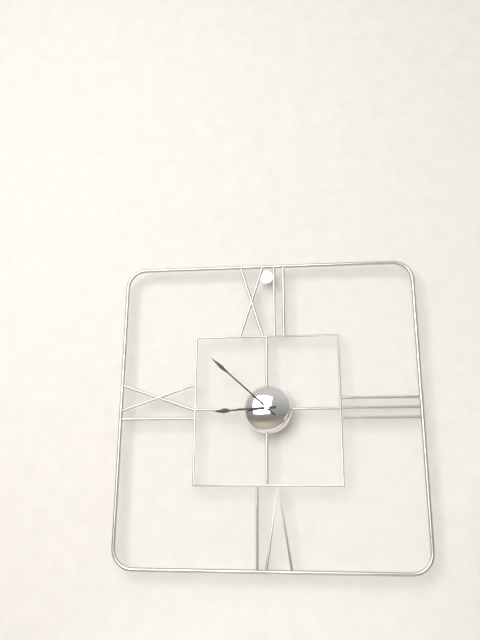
8:52
